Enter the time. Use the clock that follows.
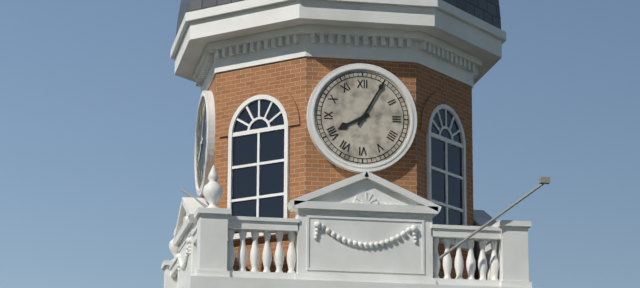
8:05
